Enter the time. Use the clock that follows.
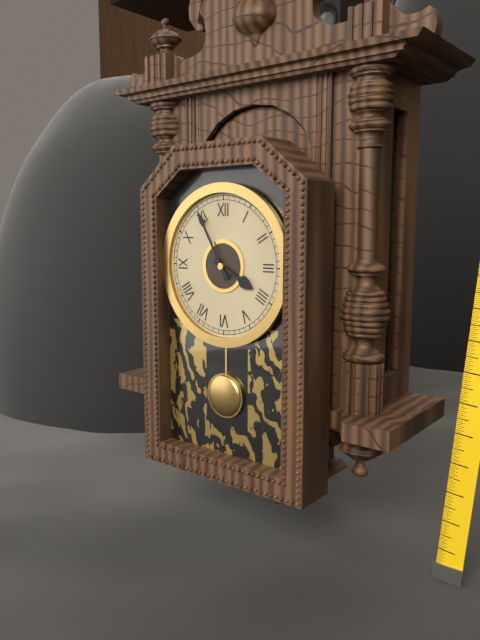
3:55
